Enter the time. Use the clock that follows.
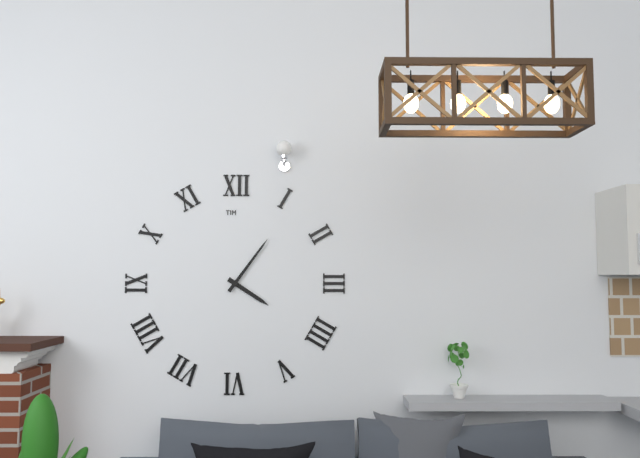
4:06
